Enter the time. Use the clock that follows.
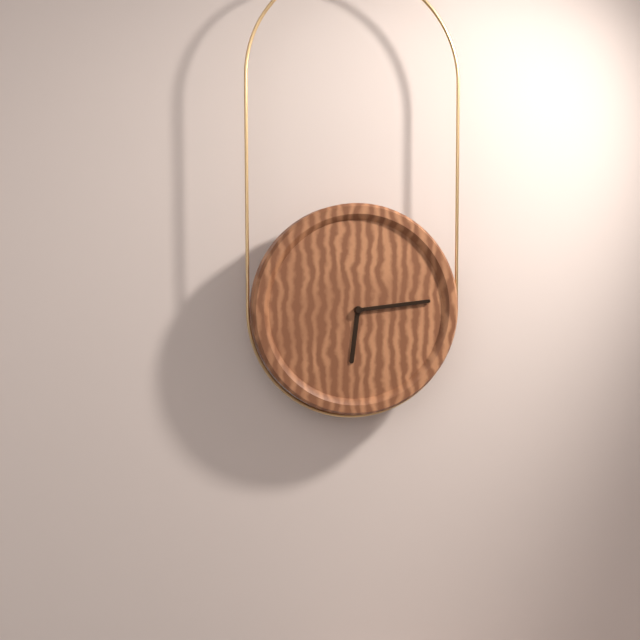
6:14
